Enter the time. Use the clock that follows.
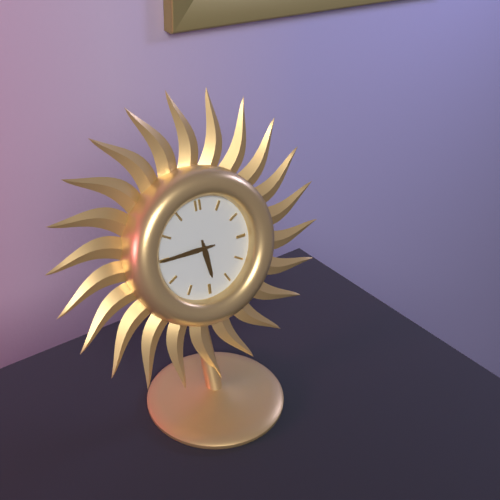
5:45
